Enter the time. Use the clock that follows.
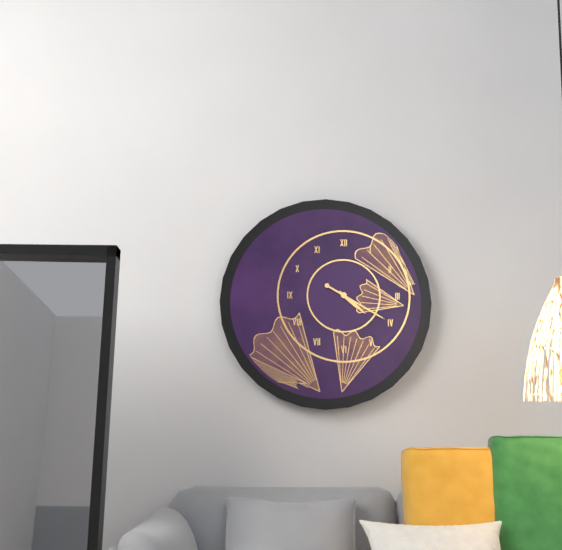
4:20
